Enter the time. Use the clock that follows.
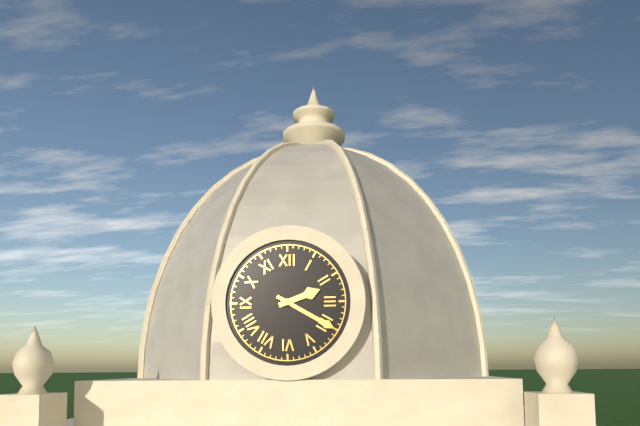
2:20
